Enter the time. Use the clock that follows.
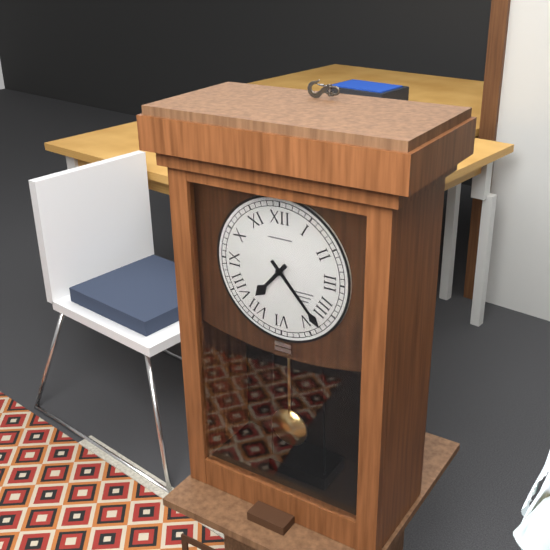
7:23
